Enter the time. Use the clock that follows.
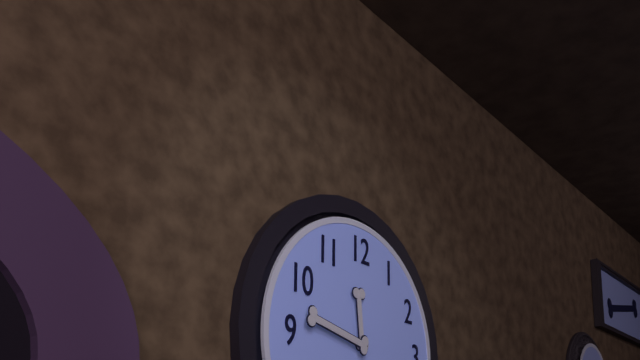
11:47
